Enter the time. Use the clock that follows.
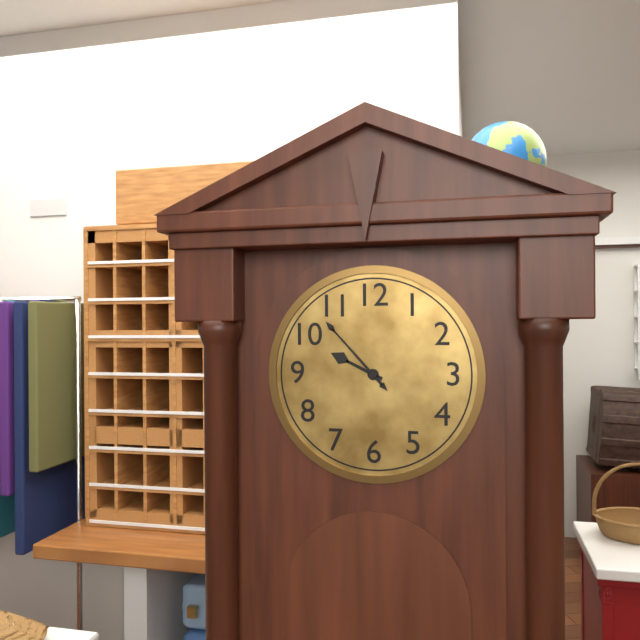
9:53
